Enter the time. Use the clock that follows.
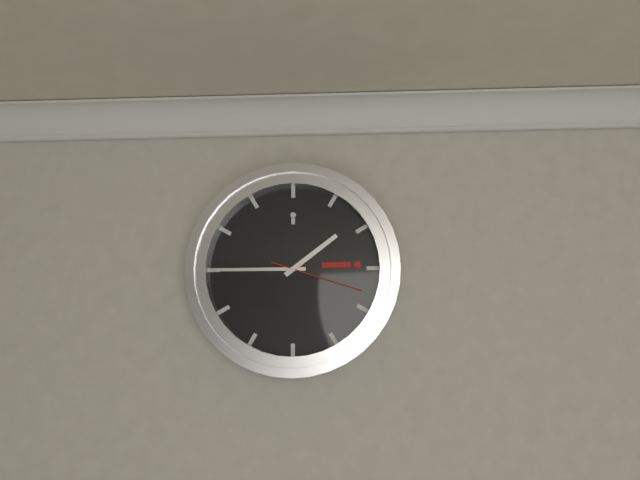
1:45:18
